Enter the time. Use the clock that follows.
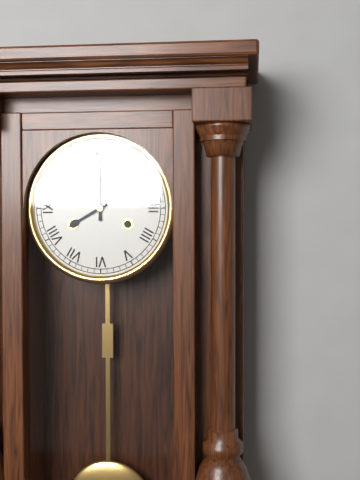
8:00
